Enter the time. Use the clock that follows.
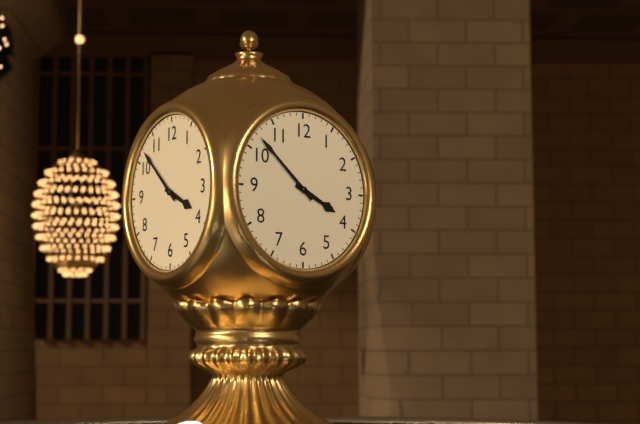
3:52
